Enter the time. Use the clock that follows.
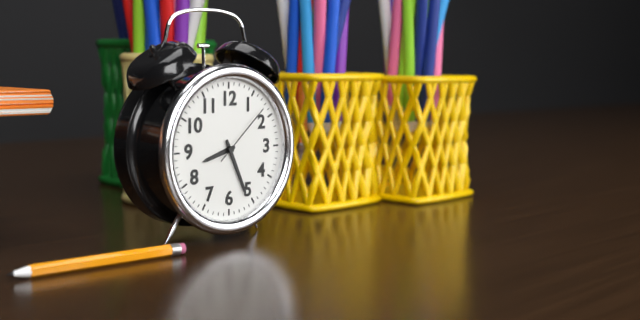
8:26:08
